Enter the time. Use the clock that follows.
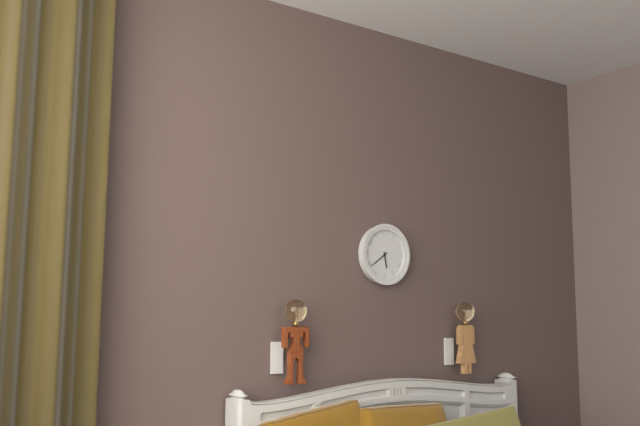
5:39
